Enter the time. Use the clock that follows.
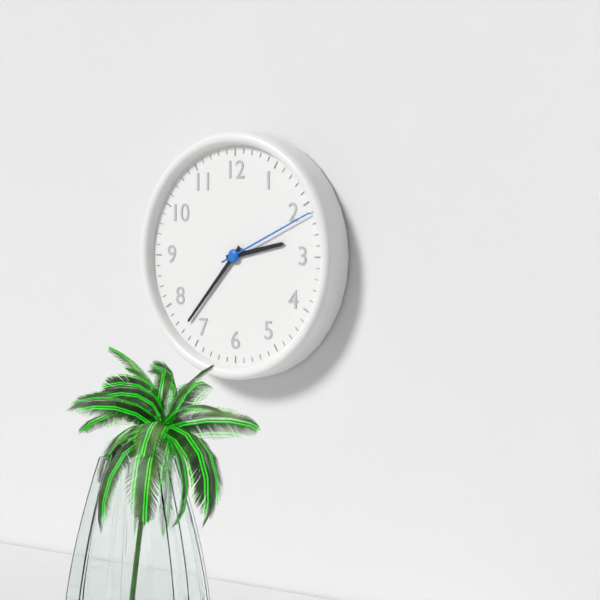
2:37:11
